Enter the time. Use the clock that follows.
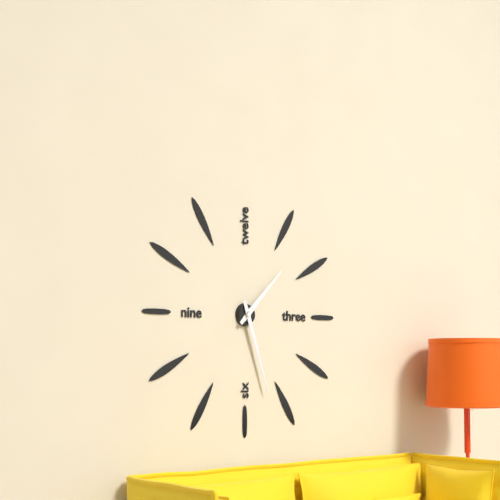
1:27
